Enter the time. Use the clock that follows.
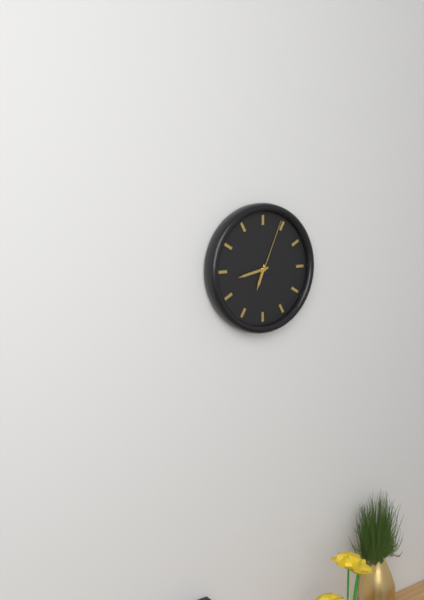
6:43:04
